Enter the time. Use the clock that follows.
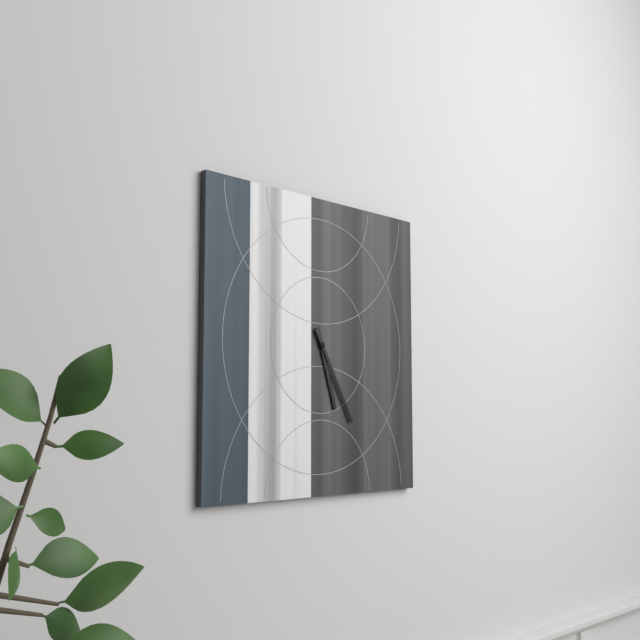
5:25
